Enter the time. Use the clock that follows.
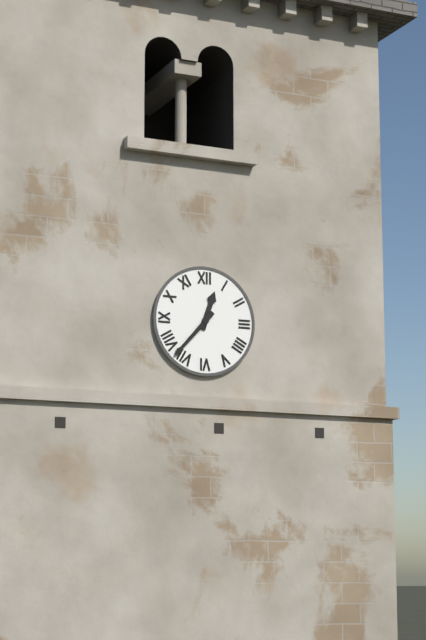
12:37
